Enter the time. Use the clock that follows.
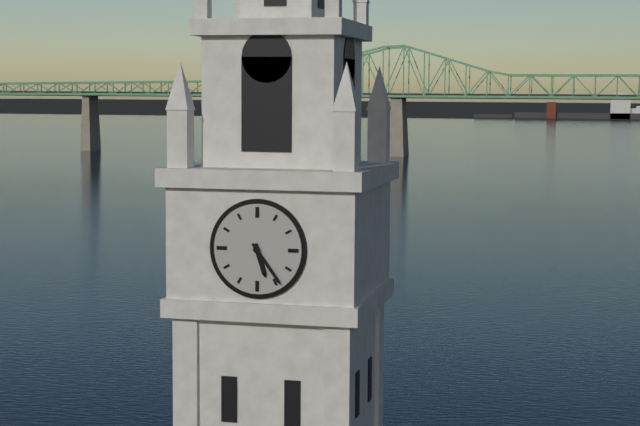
5:24
